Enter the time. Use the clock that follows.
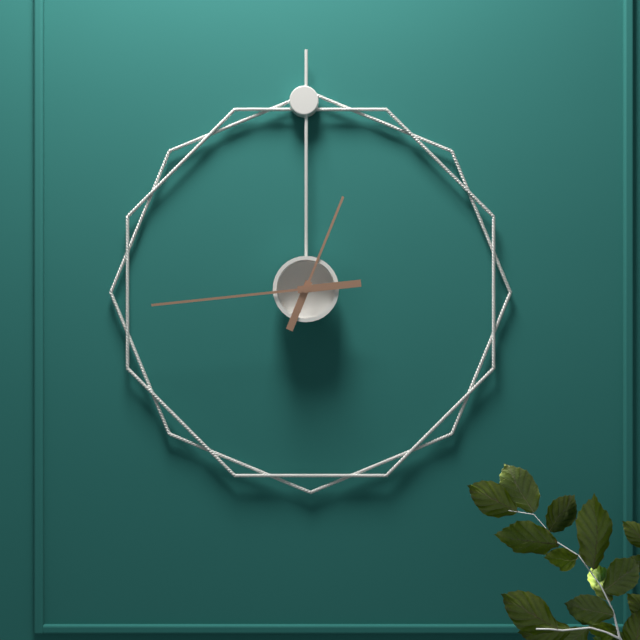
12:44
